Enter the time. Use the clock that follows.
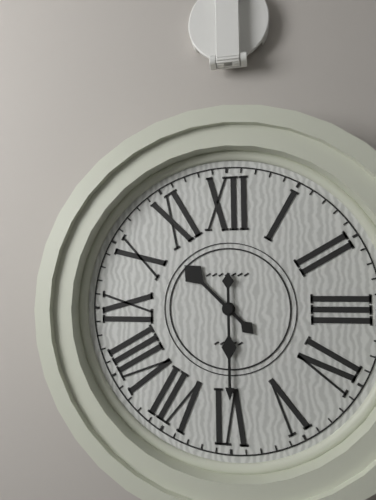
10:30
